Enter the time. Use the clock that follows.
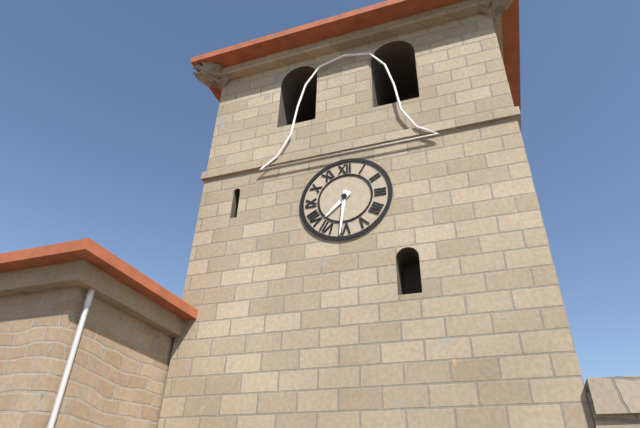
7:31
